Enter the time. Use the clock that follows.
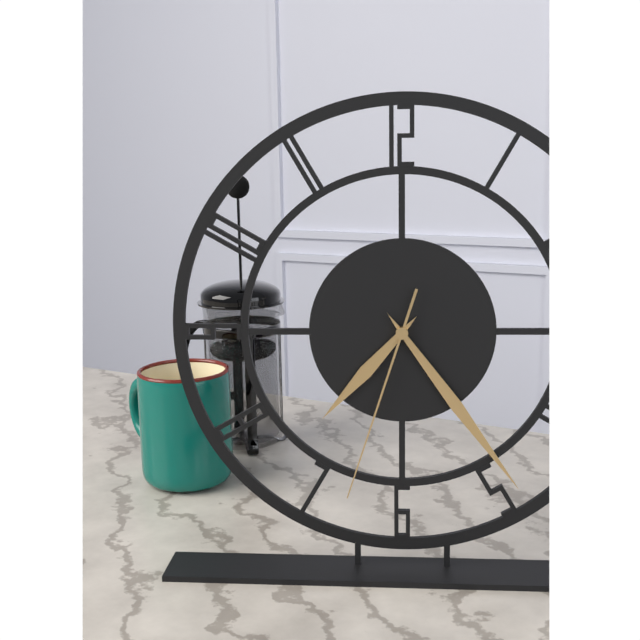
7:24:33
